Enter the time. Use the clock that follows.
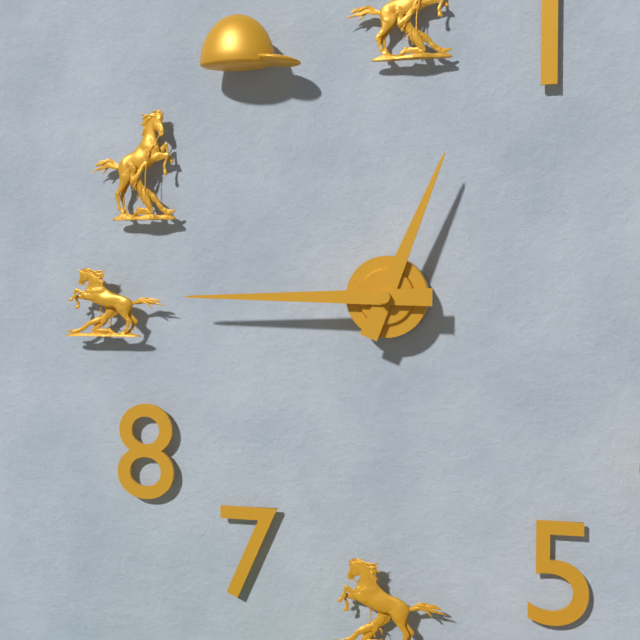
12:45
